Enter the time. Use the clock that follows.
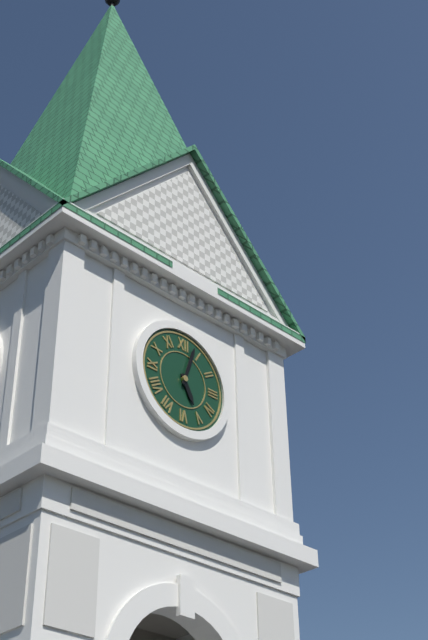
5:03
